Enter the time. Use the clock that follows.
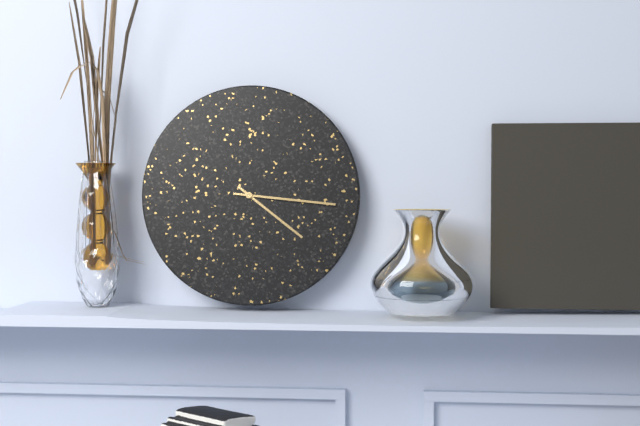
4:16
